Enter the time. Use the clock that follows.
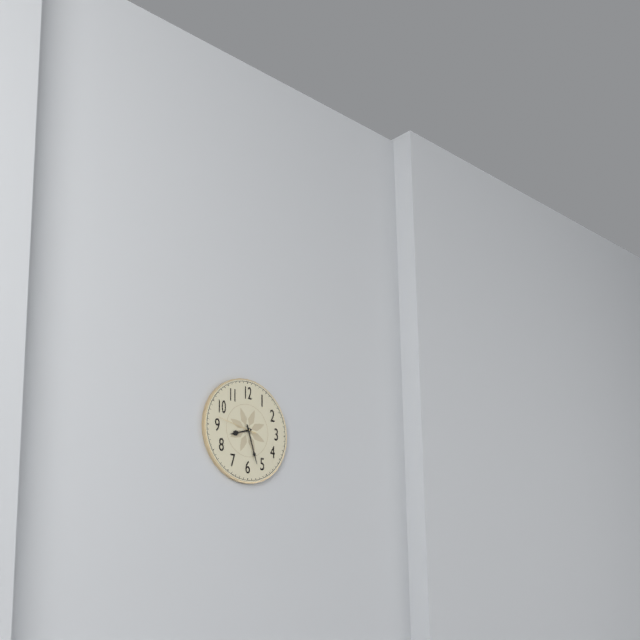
8:27
